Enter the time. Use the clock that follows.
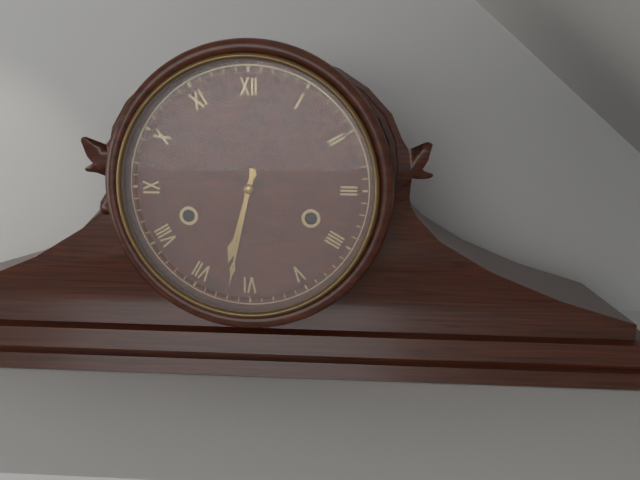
6:32
